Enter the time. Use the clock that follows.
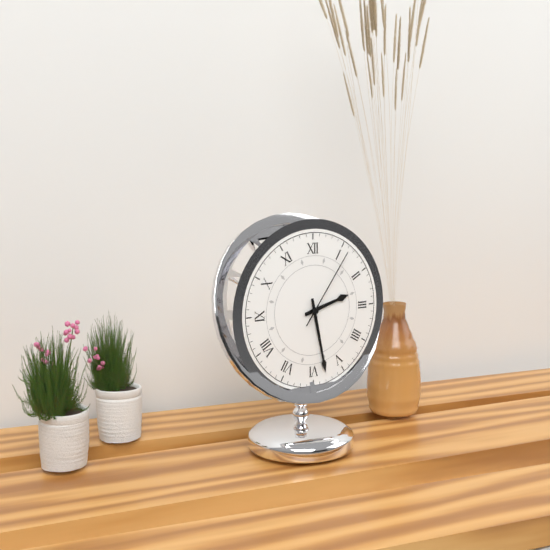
2:28:06
